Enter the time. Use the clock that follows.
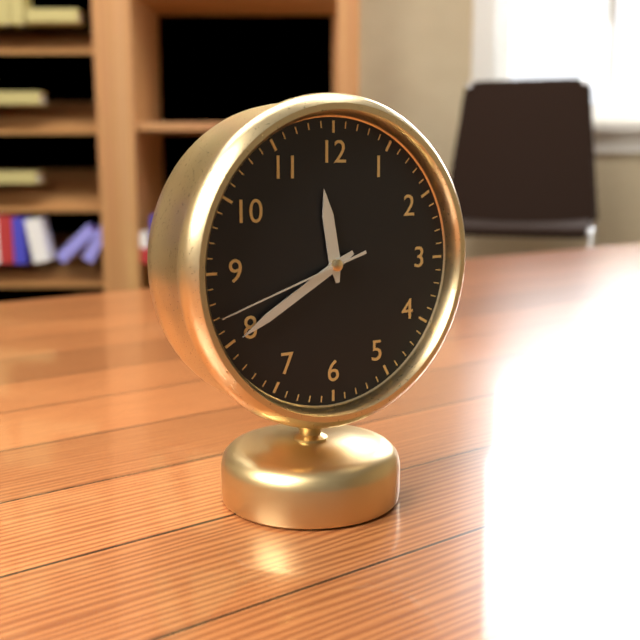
11:40:42
